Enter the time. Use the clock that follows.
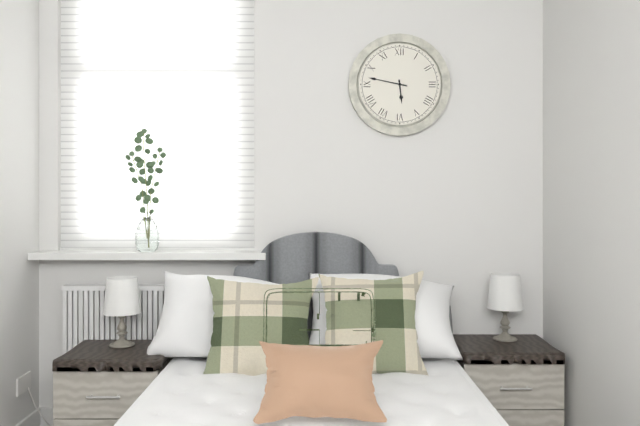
5:47
